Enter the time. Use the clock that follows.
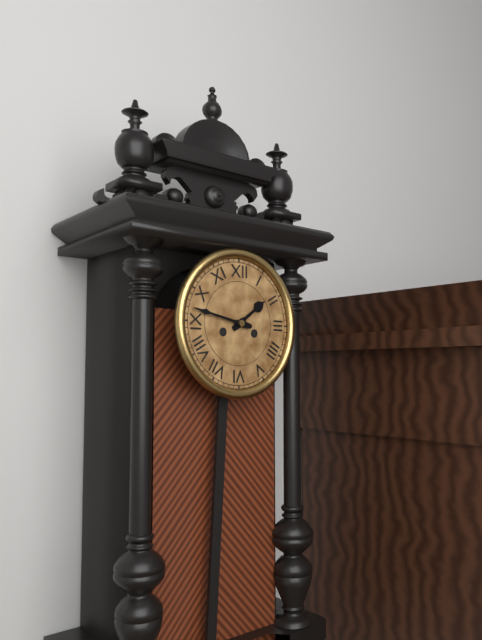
1:47
